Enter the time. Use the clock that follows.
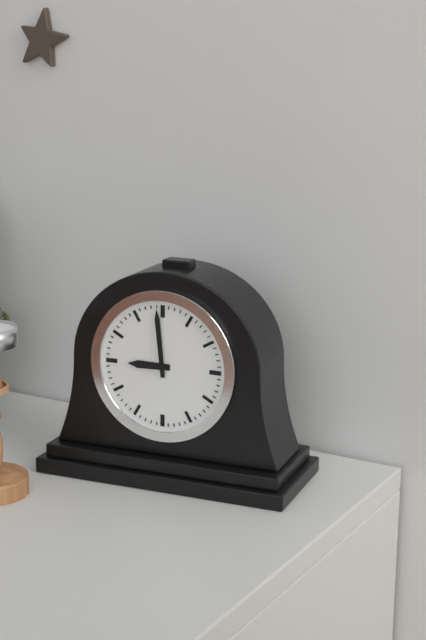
8:59
